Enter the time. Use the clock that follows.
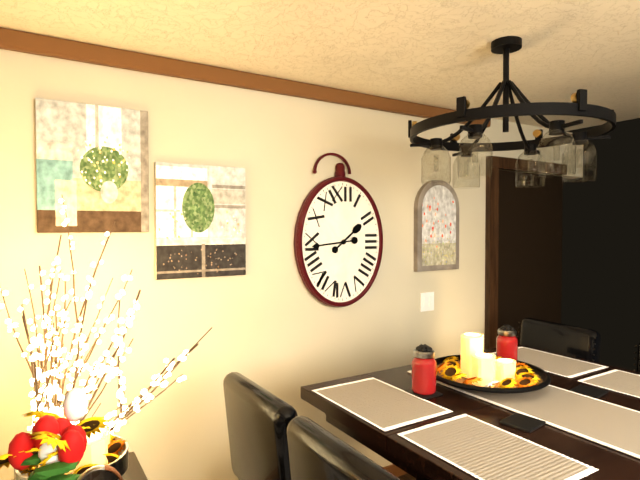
1:44
